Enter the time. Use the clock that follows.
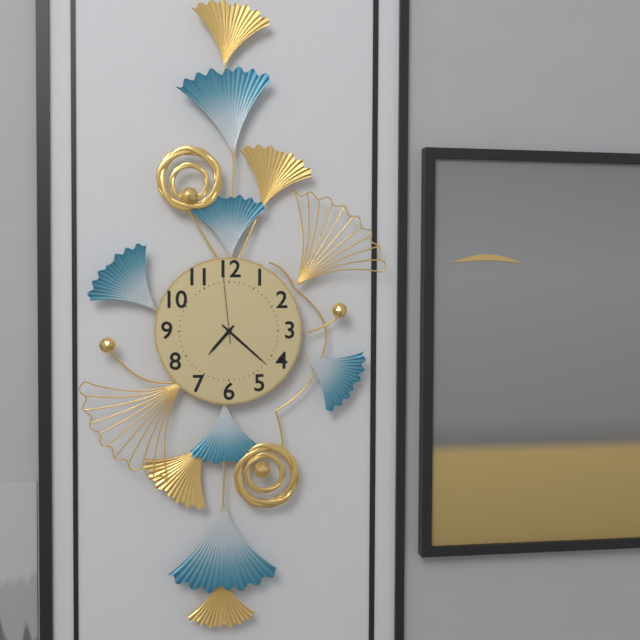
7:22:59
